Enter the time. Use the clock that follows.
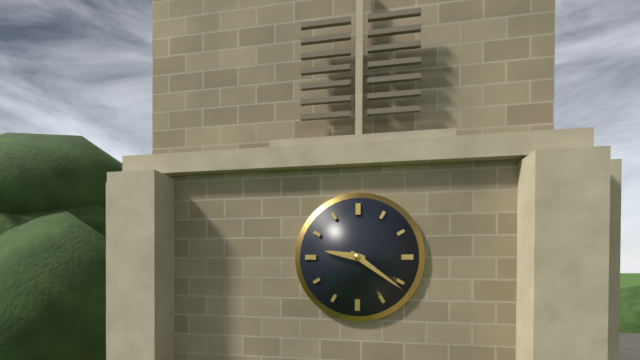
9:21
